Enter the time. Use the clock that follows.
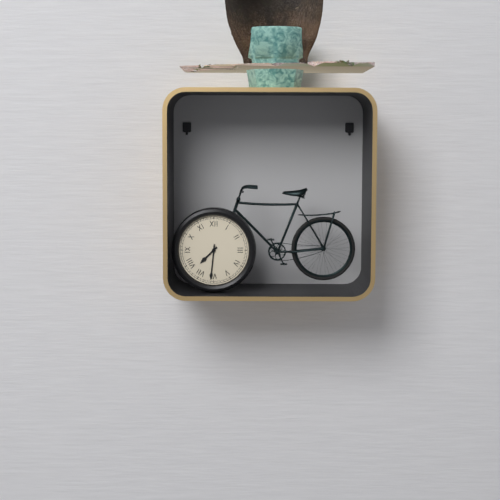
7:31
